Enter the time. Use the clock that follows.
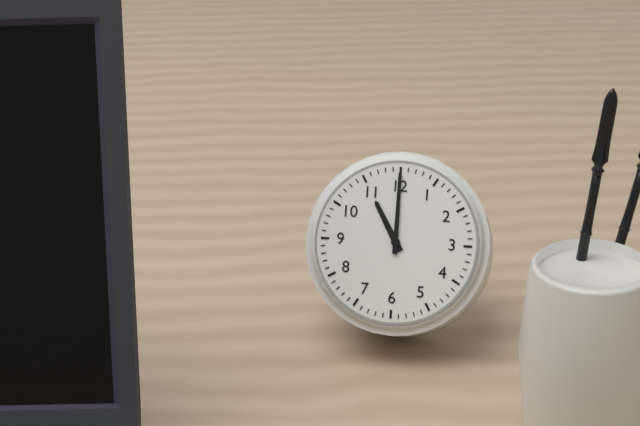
11:00
